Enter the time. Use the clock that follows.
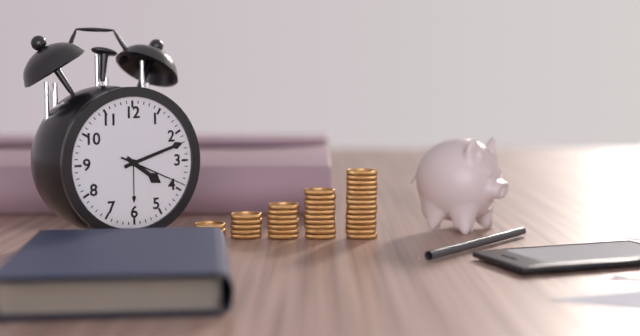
4:12:19
